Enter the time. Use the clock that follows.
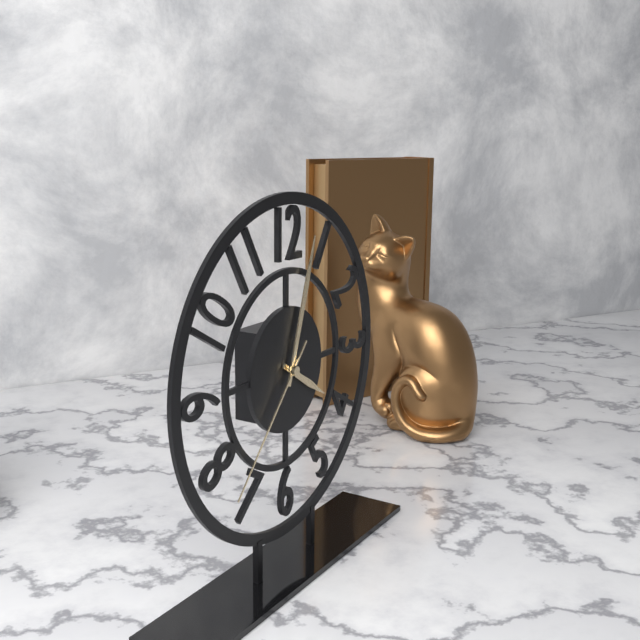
4:03:37
